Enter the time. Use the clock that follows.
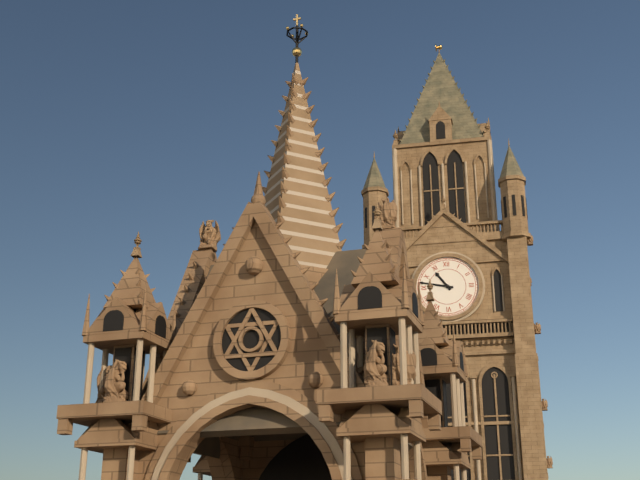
10:47
